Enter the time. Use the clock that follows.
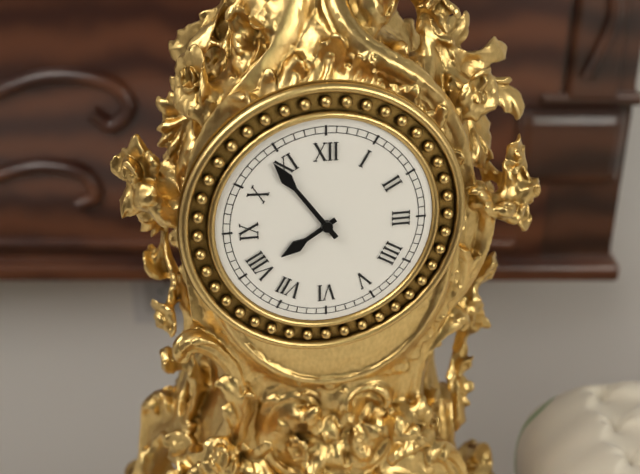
7:54
